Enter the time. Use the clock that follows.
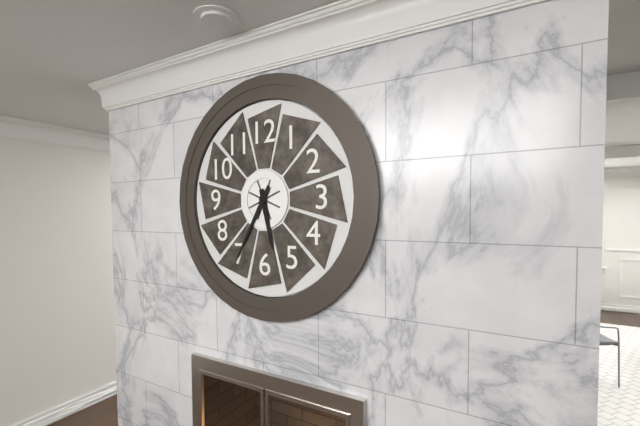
5:35
